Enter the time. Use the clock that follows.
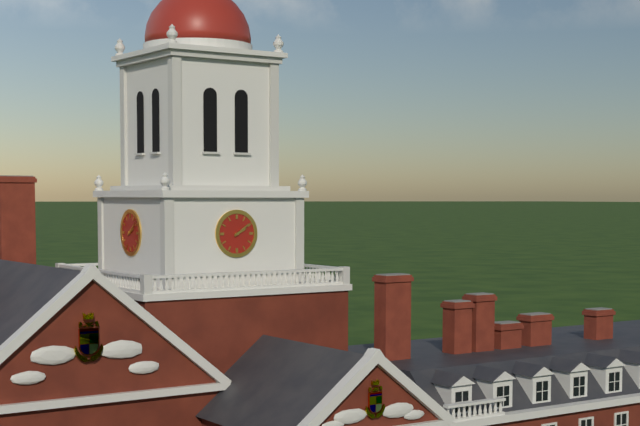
2:09
